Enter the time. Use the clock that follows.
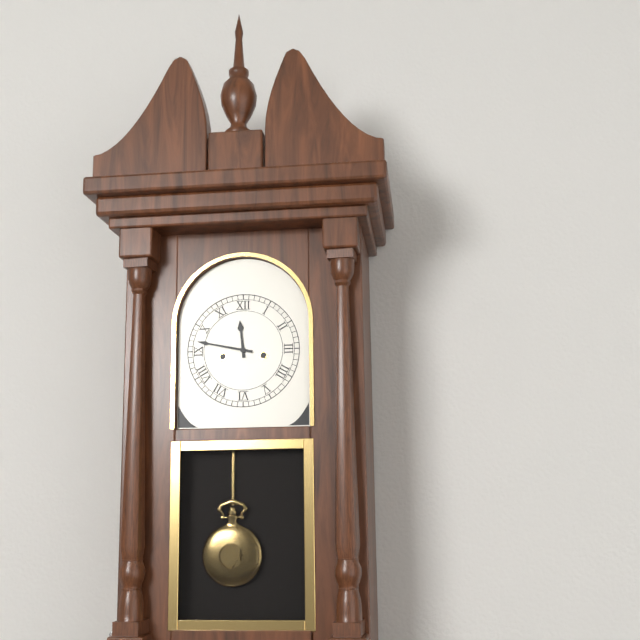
11:47
